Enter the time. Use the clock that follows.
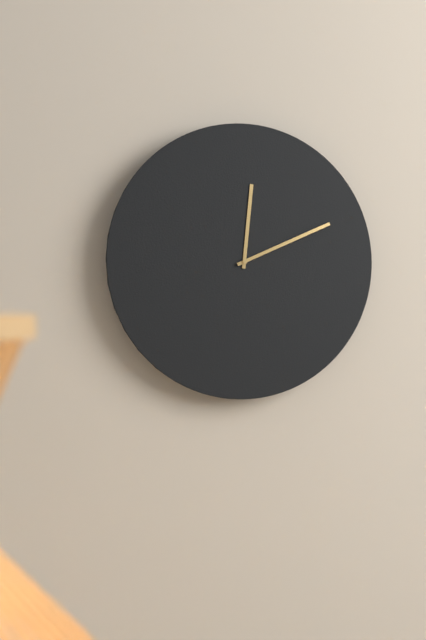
12:11
